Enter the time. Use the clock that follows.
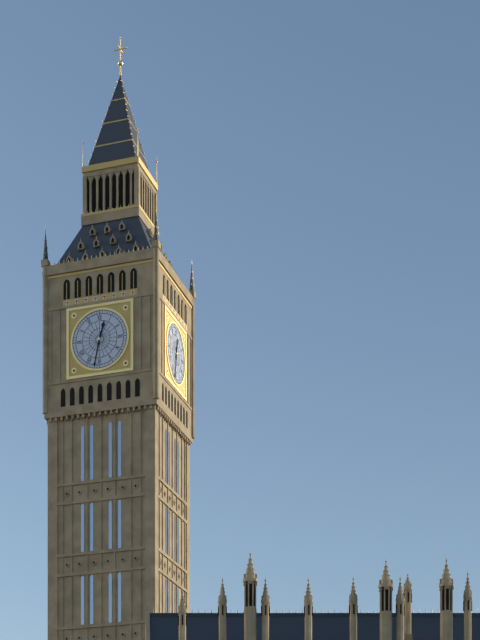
12:32
